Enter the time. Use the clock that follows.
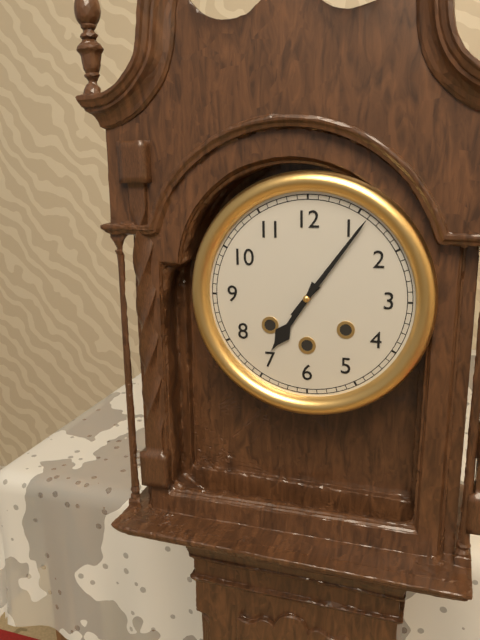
7:06
